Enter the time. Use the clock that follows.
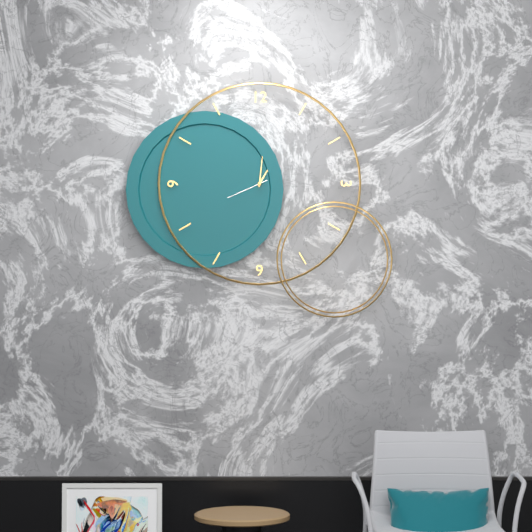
1:01
